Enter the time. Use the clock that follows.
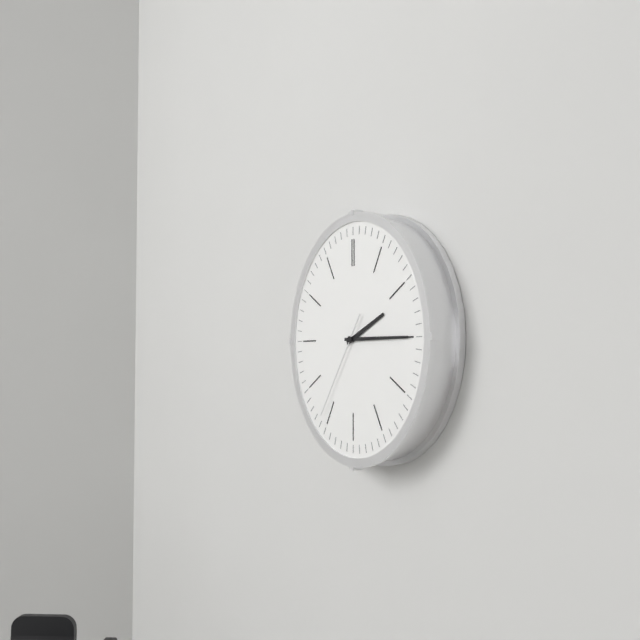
2:15:36
